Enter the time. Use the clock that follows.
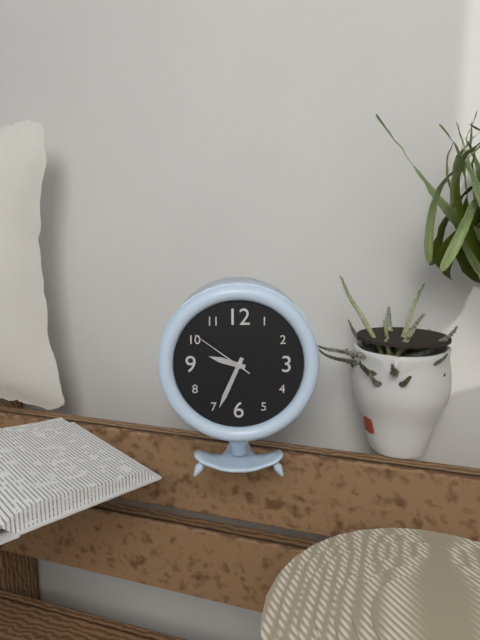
9:34:51
